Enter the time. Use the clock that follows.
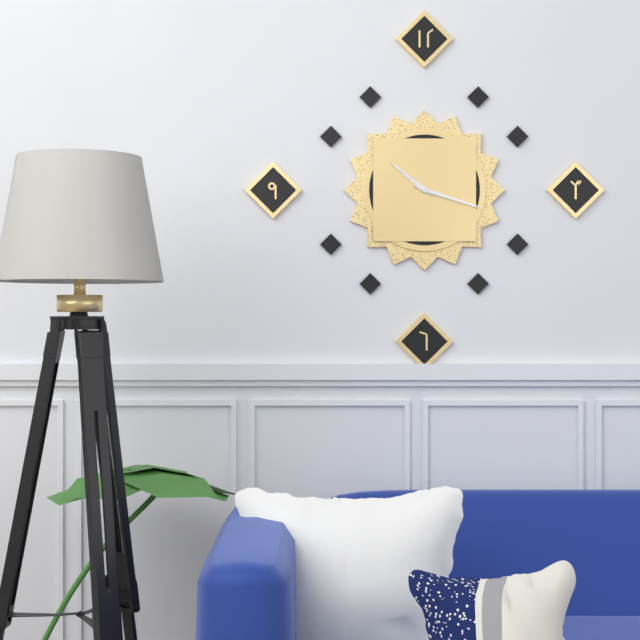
10:18
